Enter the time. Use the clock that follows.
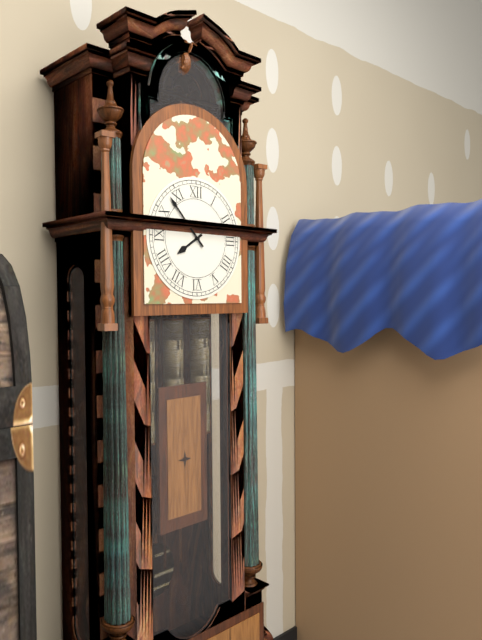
7:53
